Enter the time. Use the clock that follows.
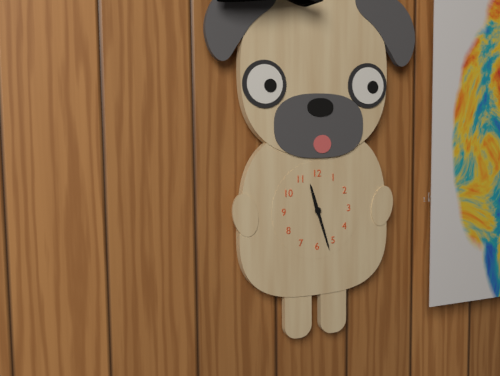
11:27
